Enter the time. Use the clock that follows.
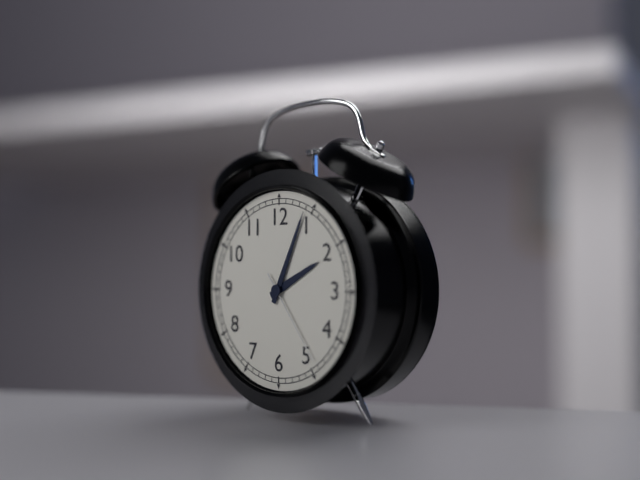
2:04:24
